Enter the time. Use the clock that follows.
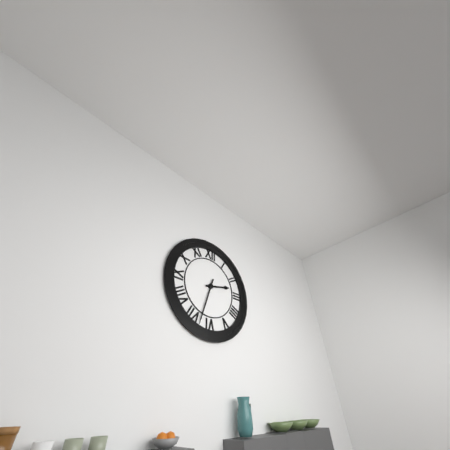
2:33
